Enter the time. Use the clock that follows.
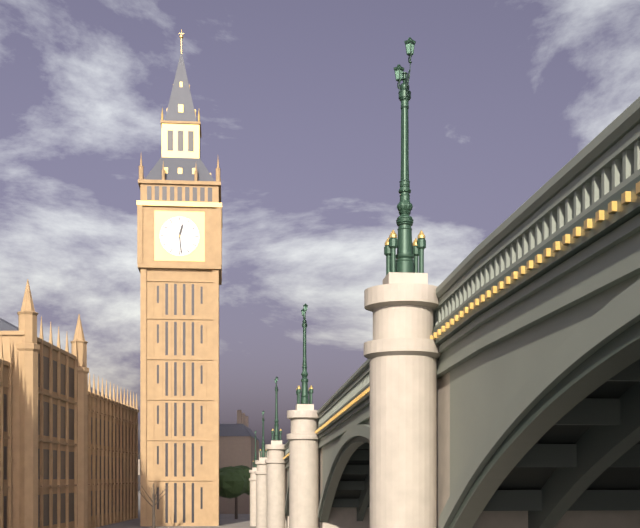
12:29
